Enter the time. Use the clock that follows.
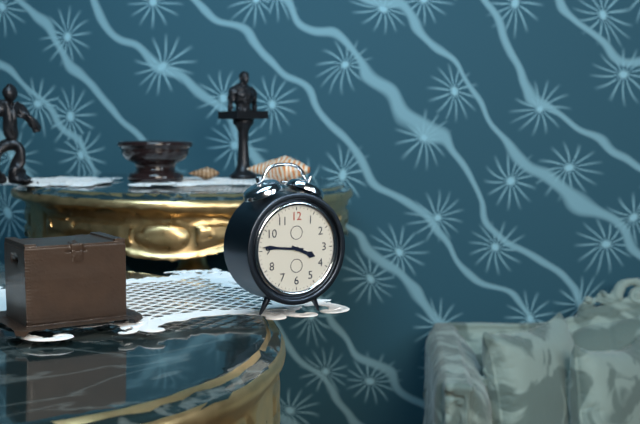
3:46
